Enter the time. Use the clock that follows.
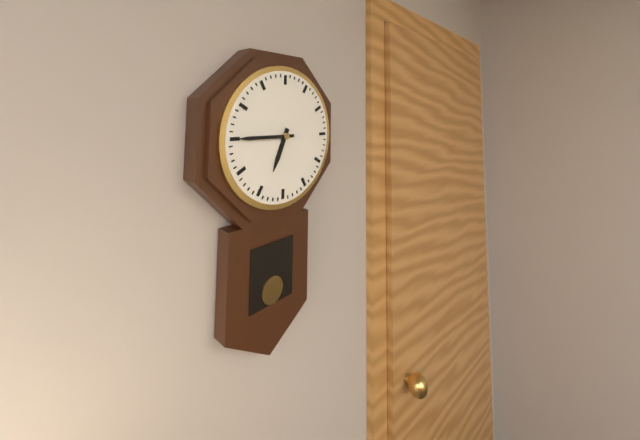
6:45
